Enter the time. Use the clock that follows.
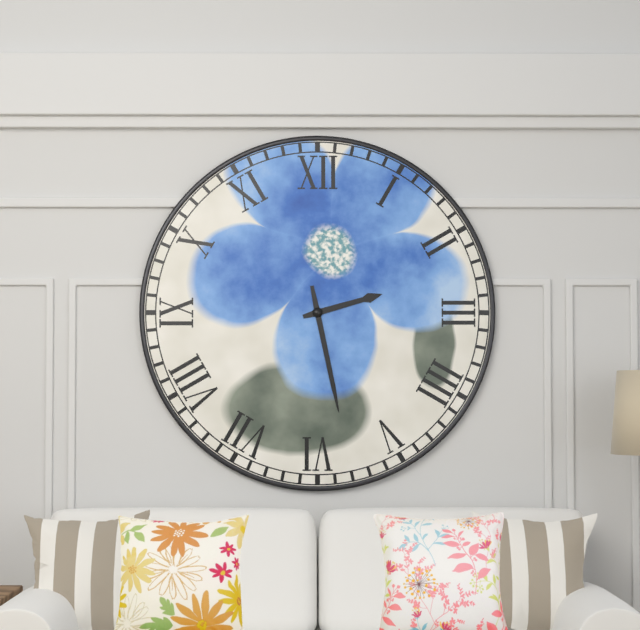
2:28
